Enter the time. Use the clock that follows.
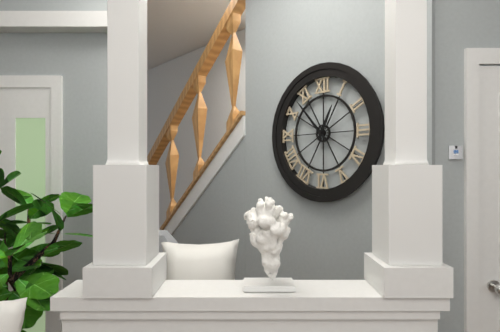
12:53
